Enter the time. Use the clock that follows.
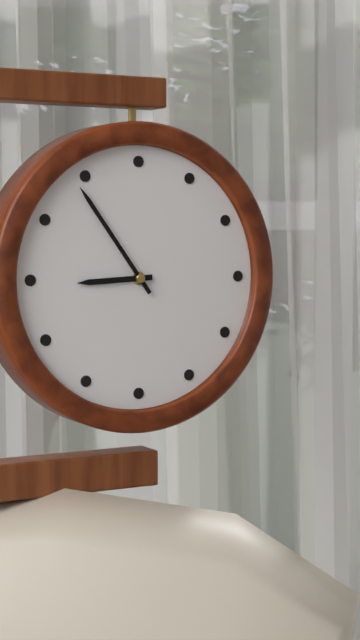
8:54
